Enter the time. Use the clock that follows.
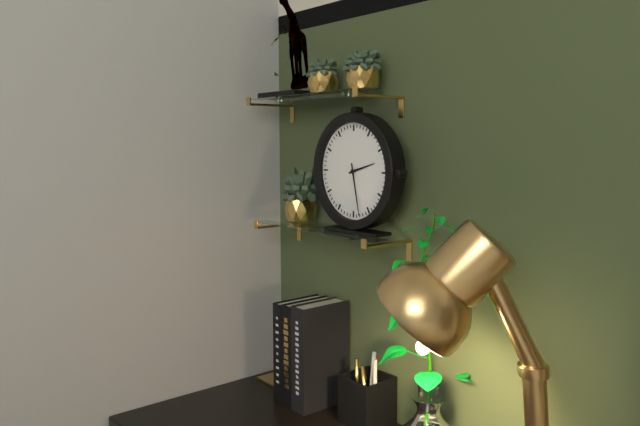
2:28
